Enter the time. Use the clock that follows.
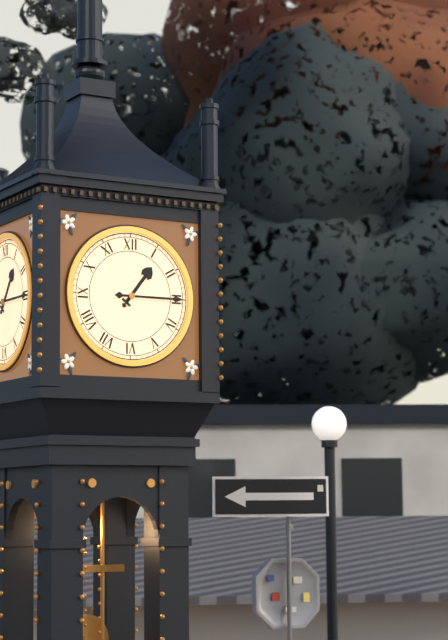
1:15
